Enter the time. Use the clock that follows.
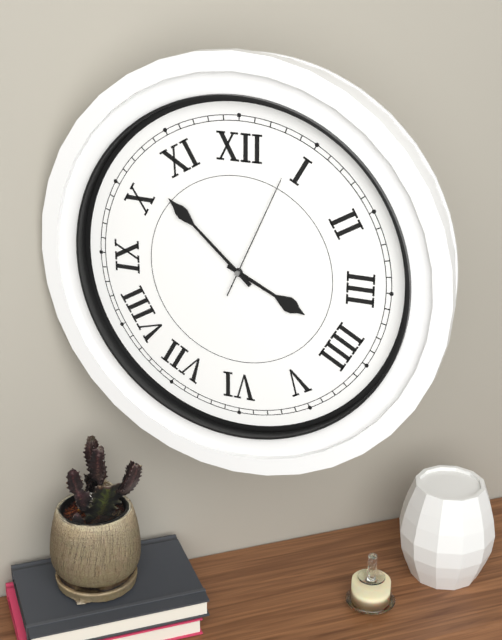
3:52:04
